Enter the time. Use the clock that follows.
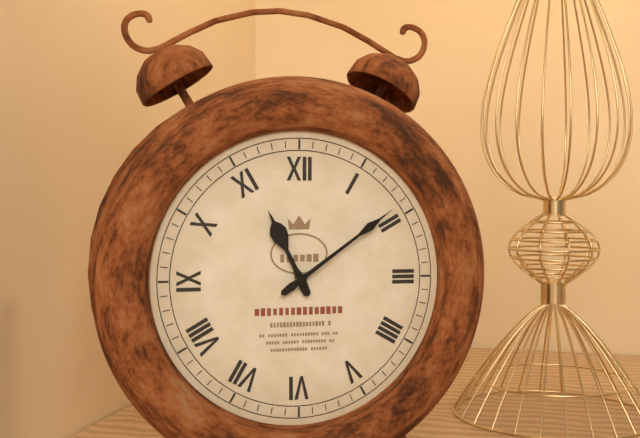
11:09
